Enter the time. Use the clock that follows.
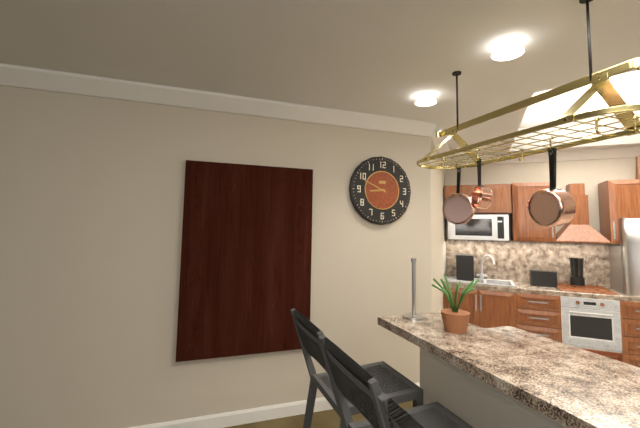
8:49
